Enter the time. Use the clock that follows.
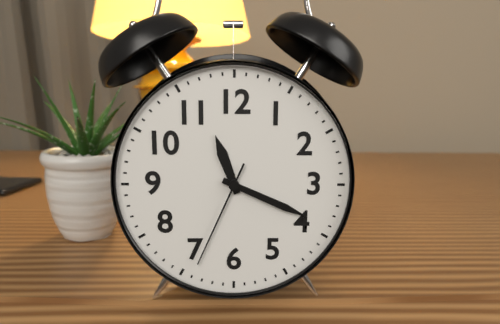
11:19:34
